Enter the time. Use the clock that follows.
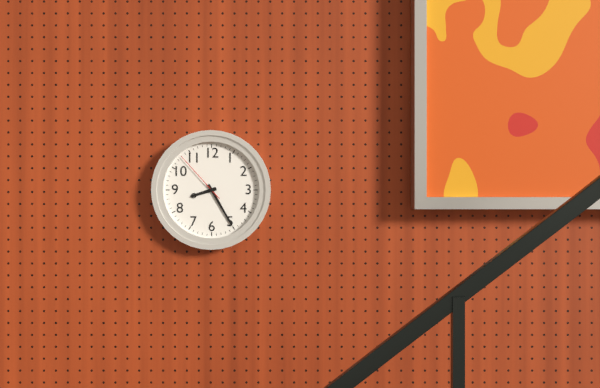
8:25:53
